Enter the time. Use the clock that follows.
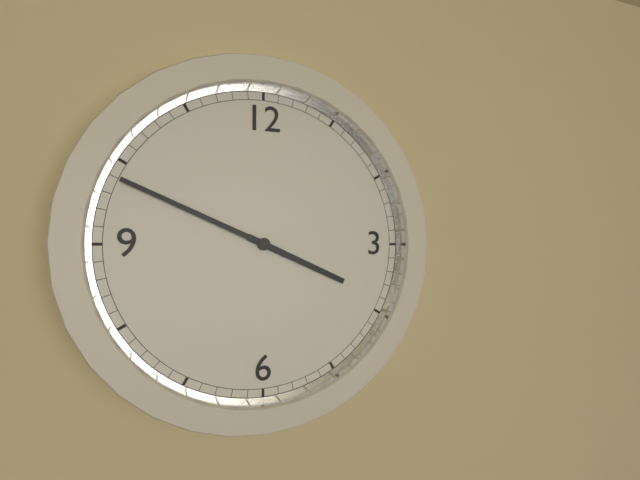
3:49
